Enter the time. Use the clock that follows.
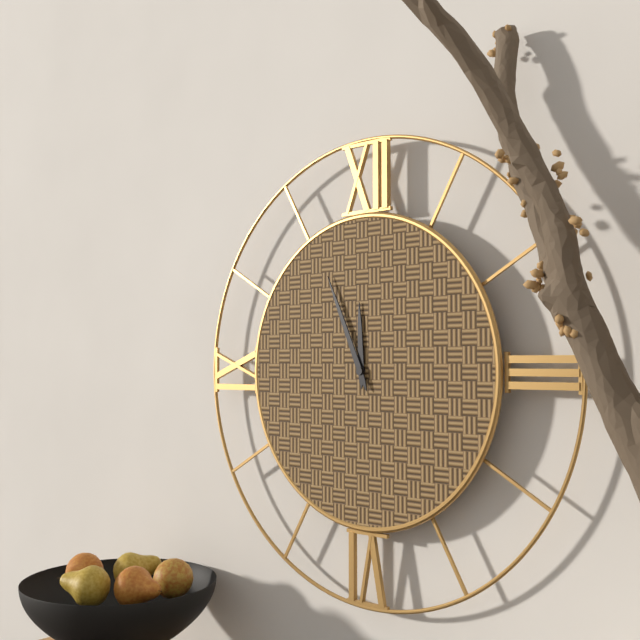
11:56
